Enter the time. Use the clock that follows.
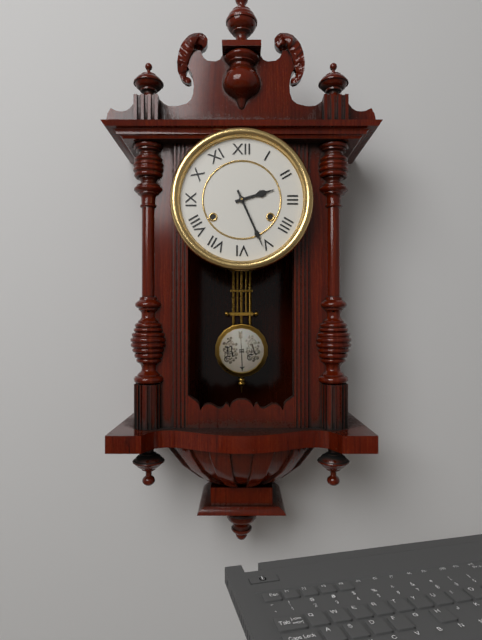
2:26
